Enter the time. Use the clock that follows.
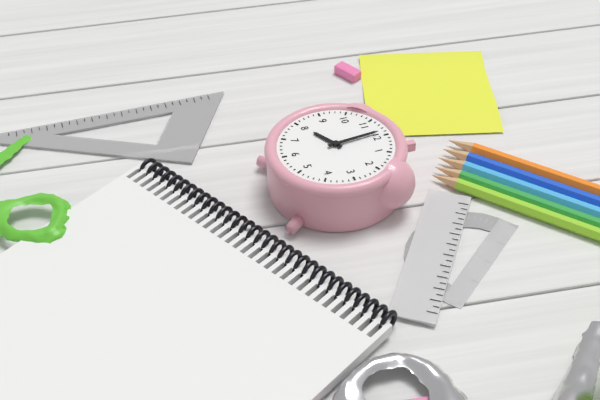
7:59
